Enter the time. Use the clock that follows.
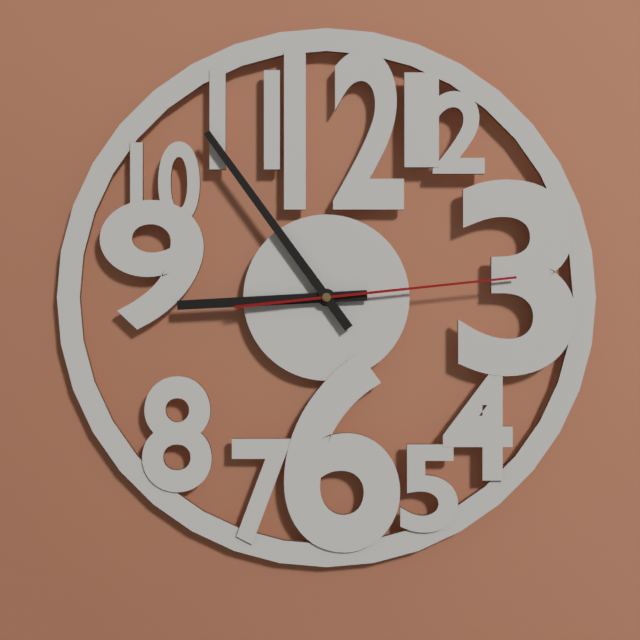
8:54:14
